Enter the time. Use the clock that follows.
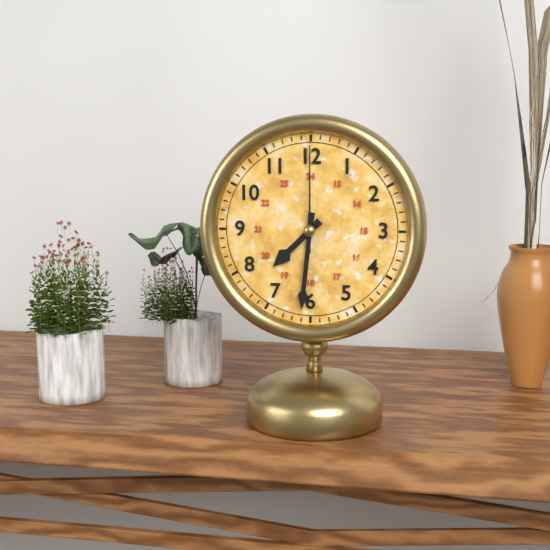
7:31:00
